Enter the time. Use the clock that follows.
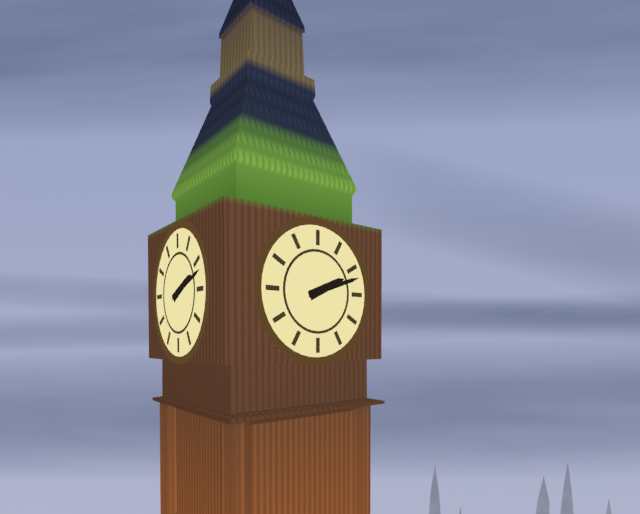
2:12
